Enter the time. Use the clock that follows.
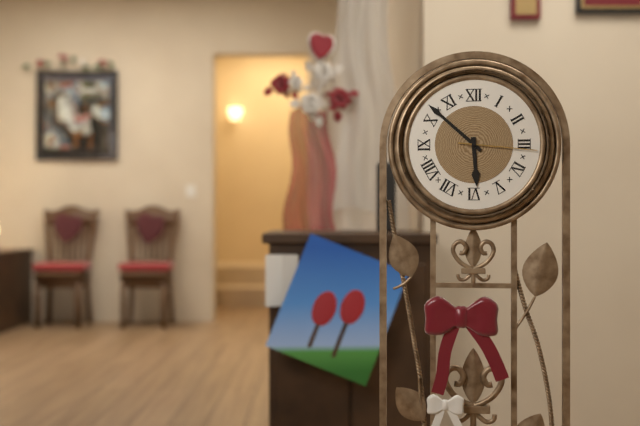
5:52:16
